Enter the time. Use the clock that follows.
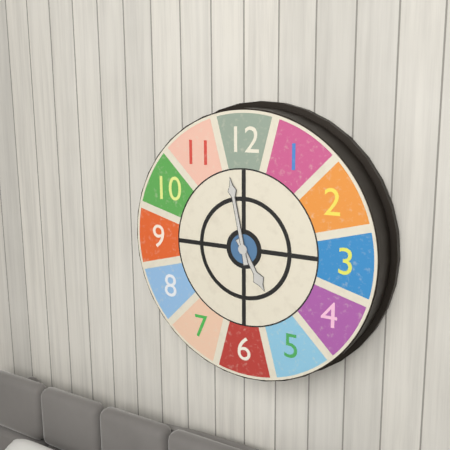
4:58
